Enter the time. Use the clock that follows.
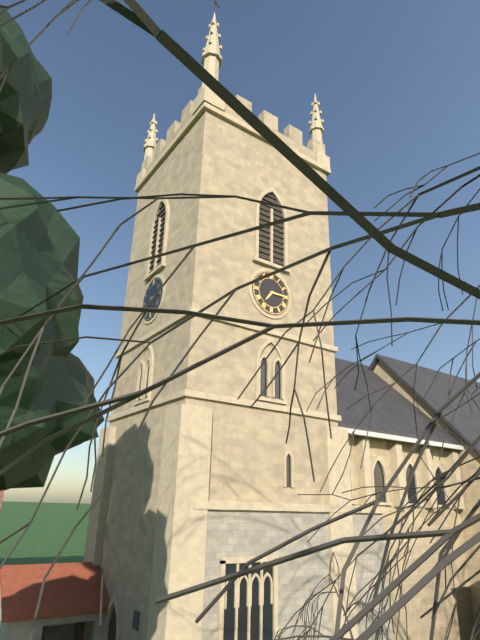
7:15
